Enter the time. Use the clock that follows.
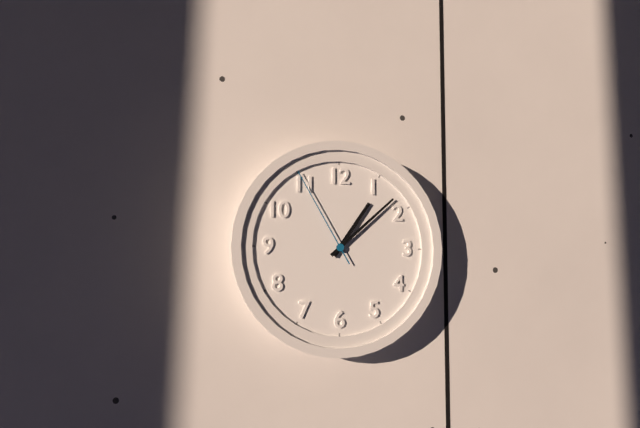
1:08:55
